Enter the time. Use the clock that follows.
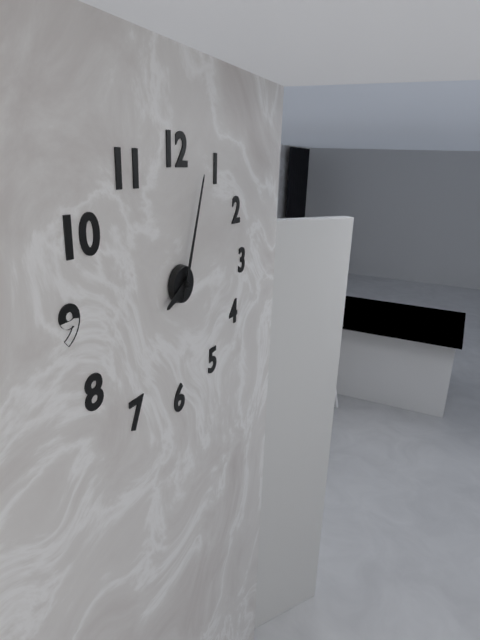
8:03
